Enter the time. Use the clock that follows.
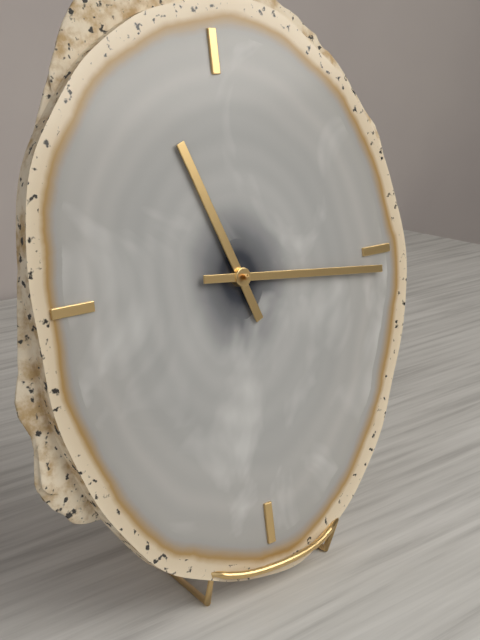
11:16
